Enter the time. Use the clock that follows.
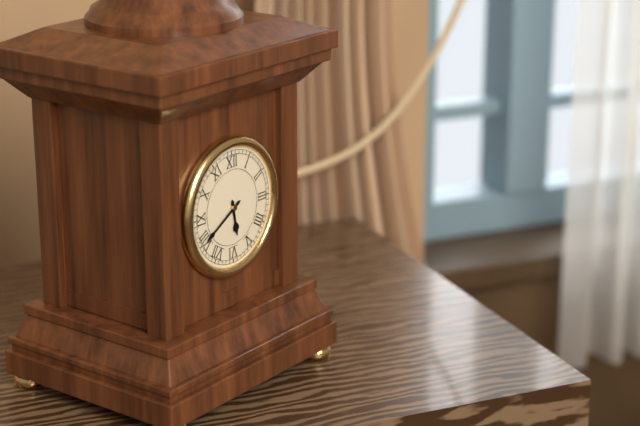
5:40
